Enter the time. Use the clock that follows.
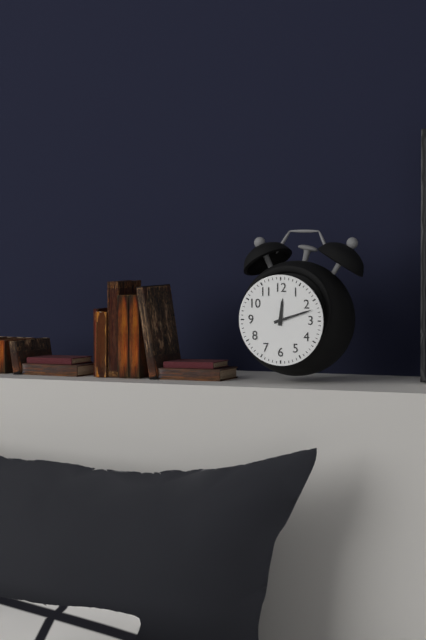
12:12
